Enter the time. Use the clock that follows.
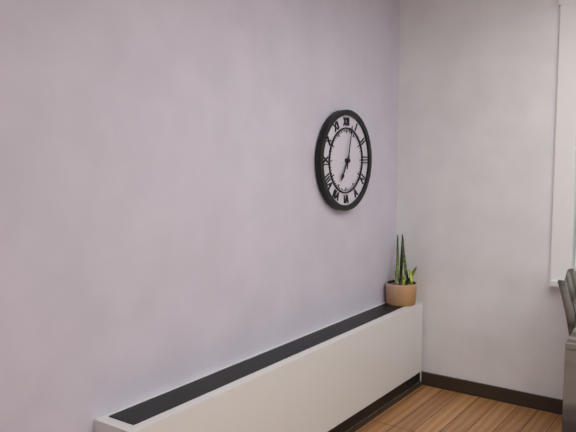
7:02
